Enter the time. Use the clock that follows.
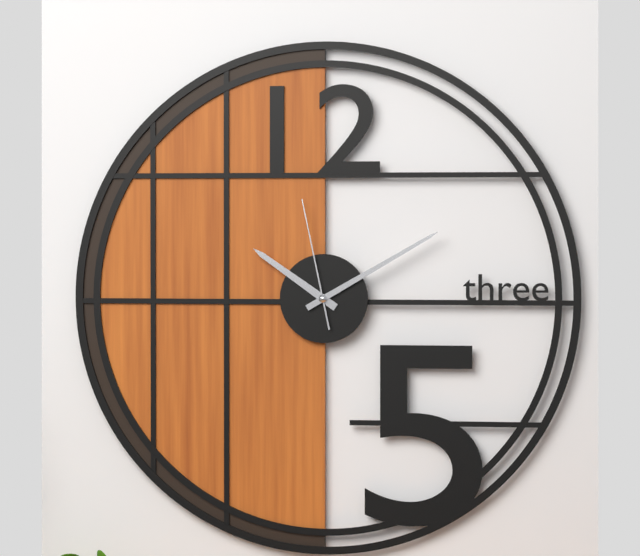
10:10:58
